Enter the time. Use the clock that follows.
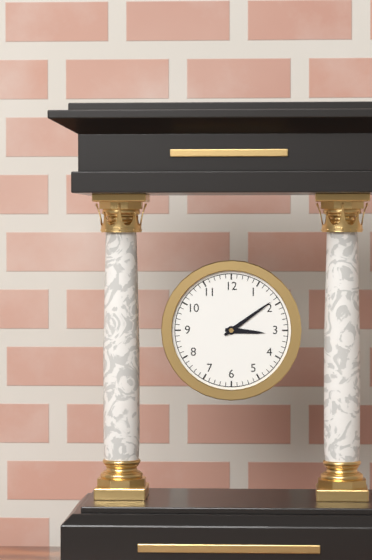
3:09
